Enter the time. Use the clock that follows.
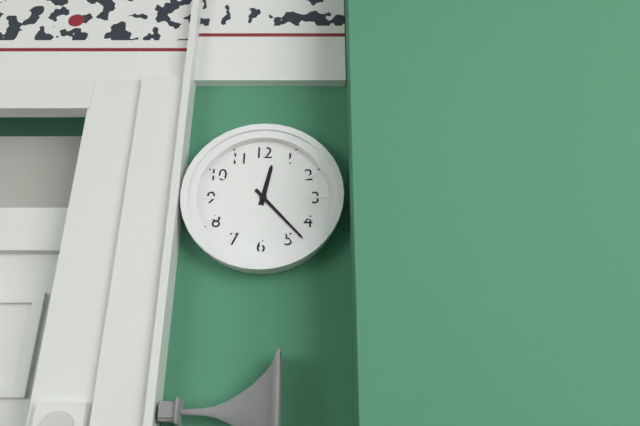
12:23
